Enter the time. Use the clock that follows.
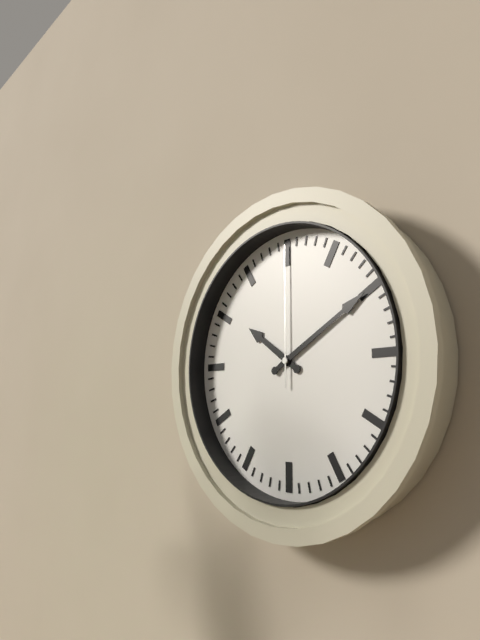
10:10:00
